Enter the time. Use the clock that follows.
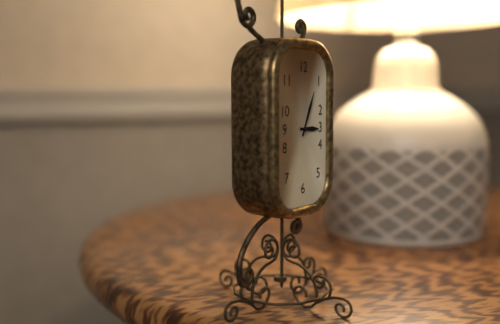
3:04
